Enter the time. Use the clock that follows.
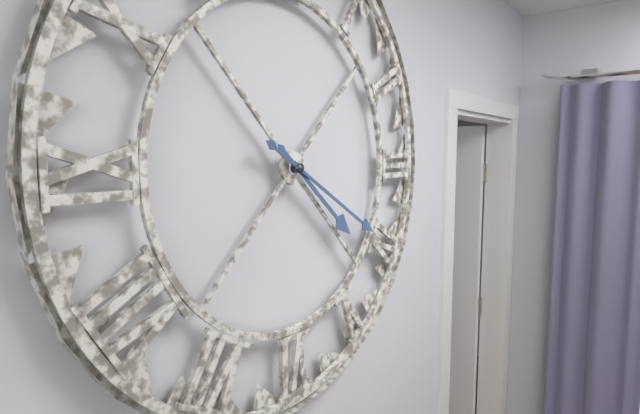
4:20
